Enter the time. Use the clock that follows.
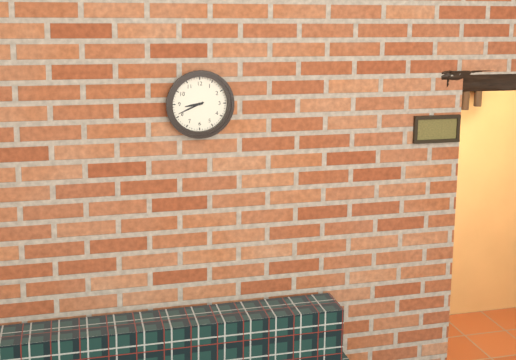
8:41
